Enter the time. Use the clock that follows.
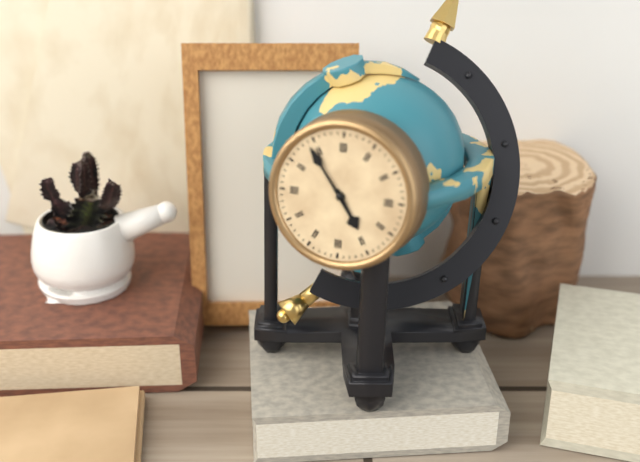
4:54
